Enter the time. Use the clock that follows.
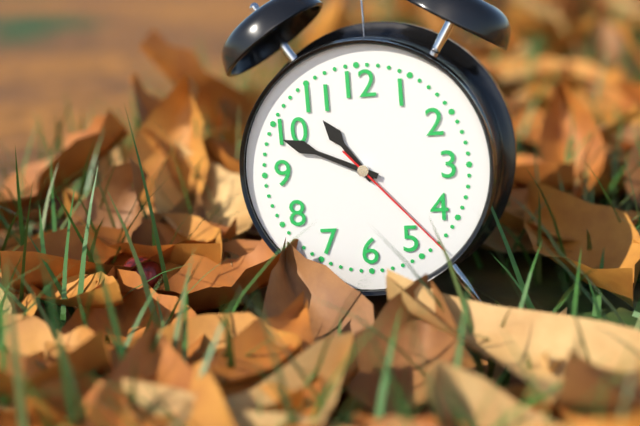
10:49:23
